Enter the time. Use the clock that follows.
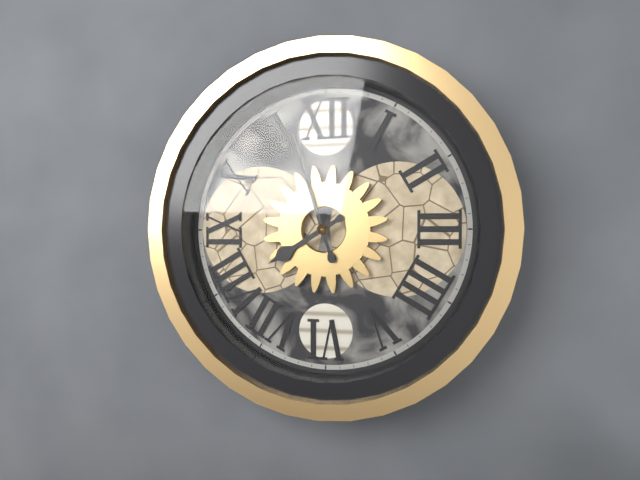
7:57
